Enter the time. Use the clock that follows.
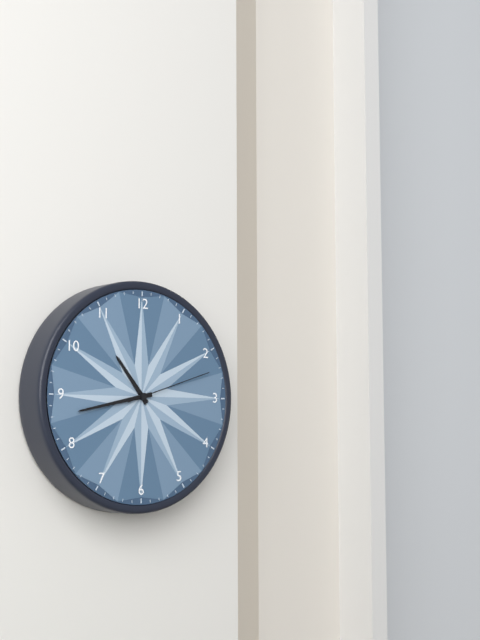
10:43:12
